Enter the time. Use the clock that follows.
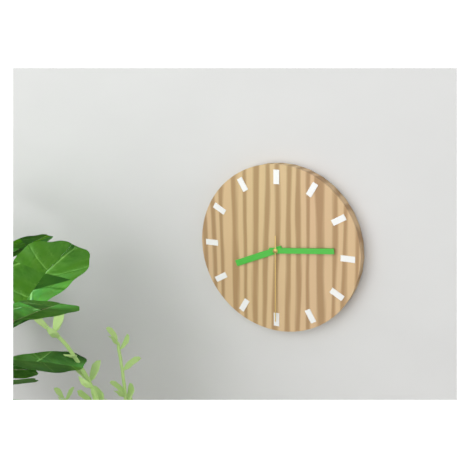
8:14:30
